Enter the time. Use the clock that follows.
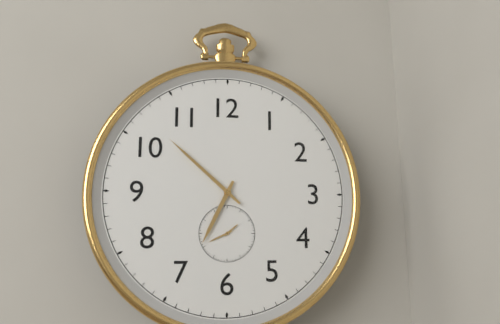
6:52
